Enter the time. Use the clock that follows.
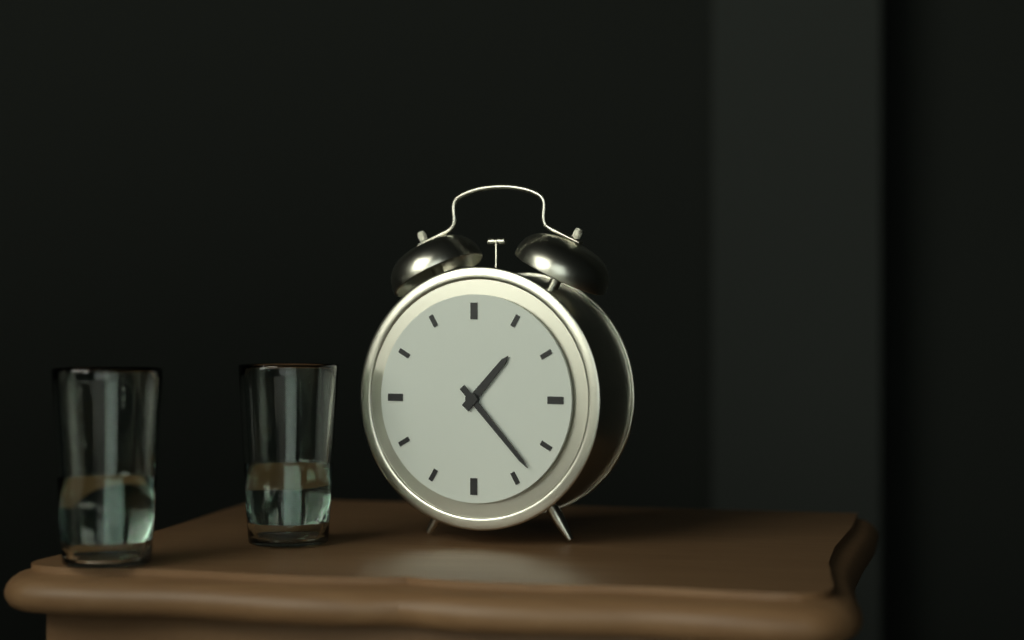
1:23
